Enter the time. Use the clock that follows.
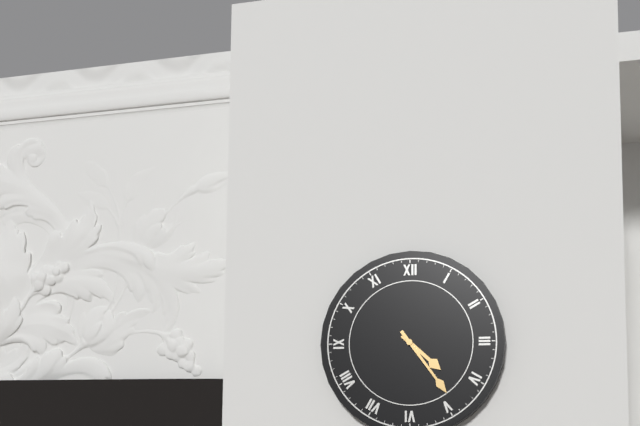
4:24
